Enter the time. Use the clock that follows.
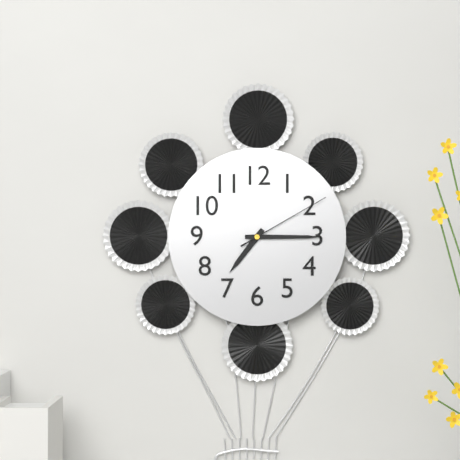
7:15:10
